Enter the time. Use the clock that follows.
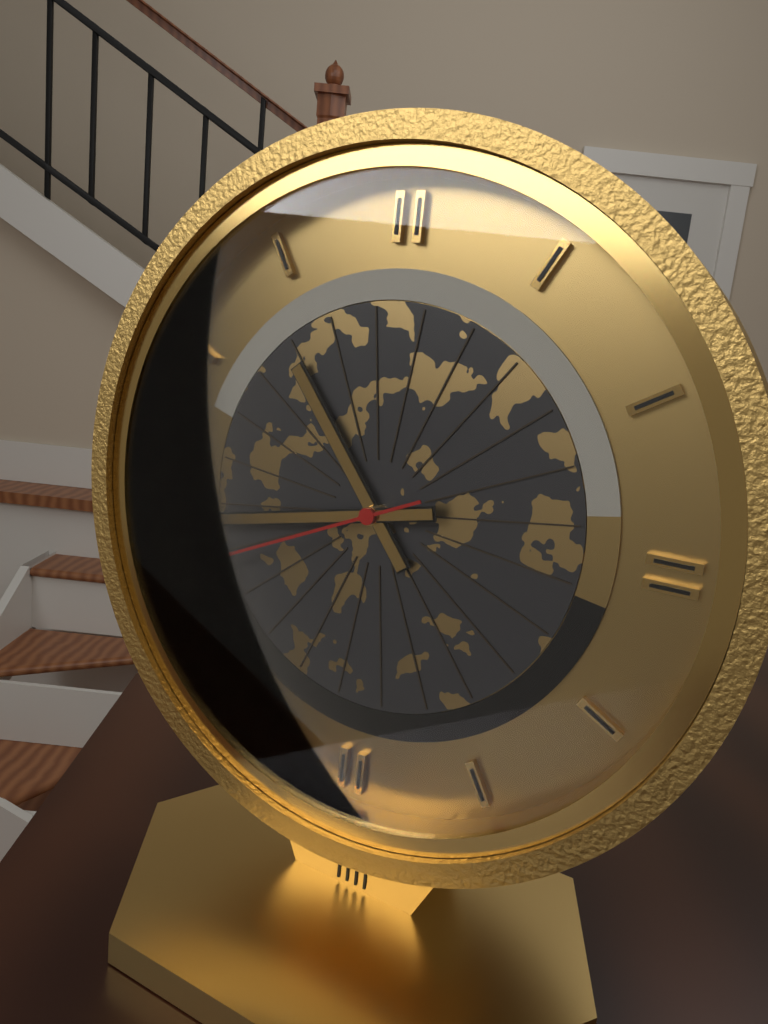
10:43:41
